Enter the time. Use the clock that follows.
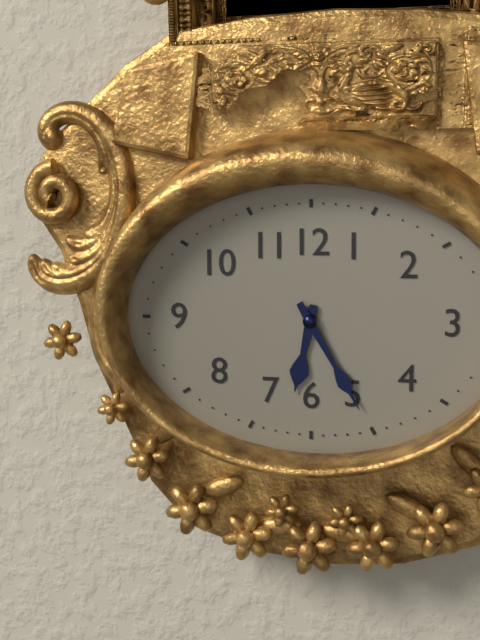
6:25
